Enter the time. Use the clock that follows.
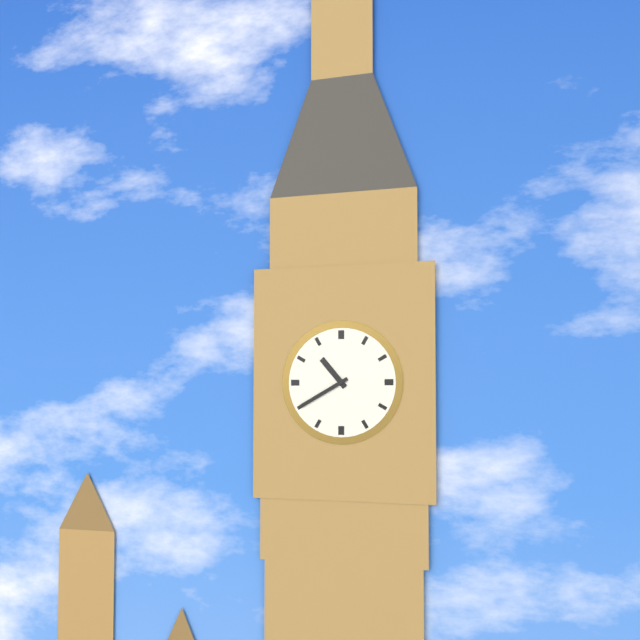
10:40
